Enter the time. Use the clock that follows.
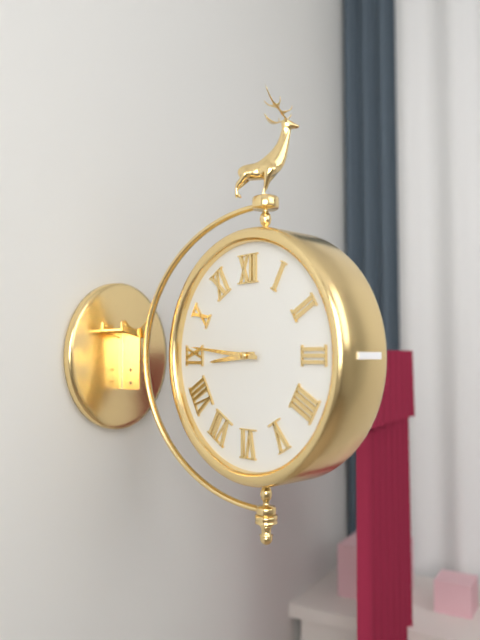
8:46
